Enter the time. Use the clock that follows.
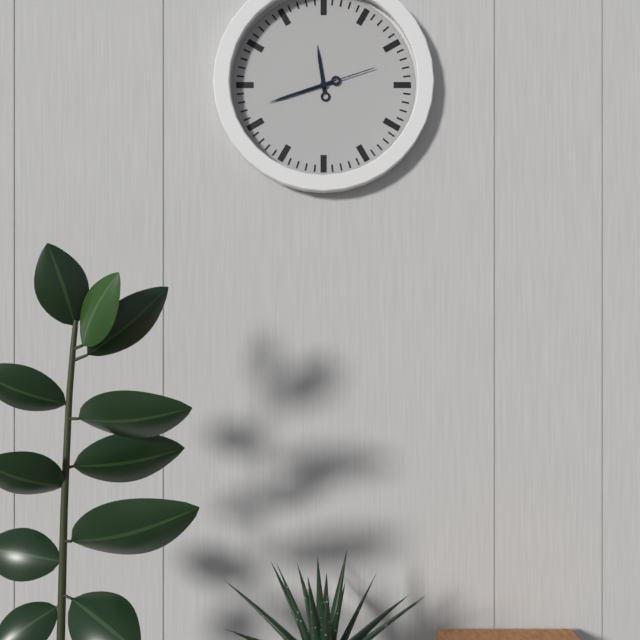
11:42:12
